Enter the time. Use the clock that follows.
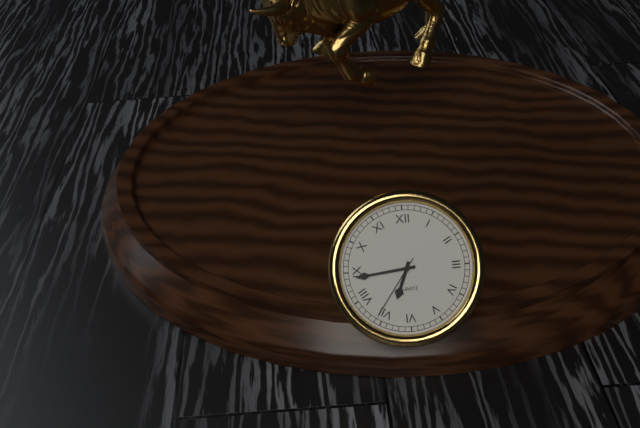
6:44:36
